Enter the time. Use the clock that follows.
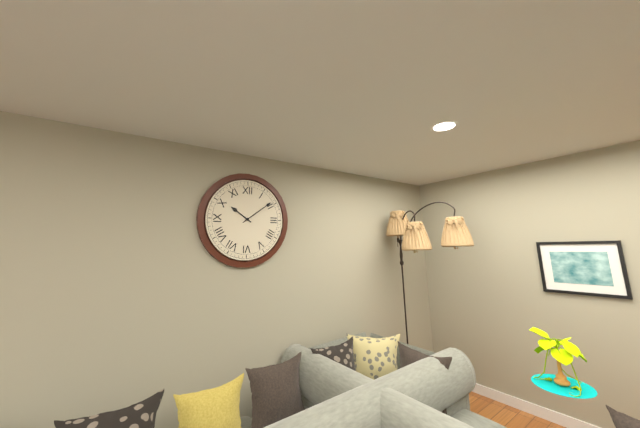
10:09
